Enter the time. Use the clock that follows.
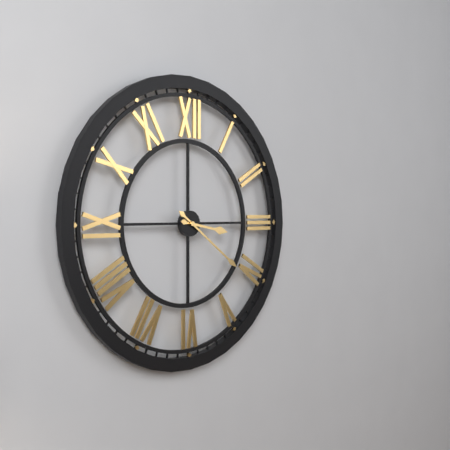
3:21
